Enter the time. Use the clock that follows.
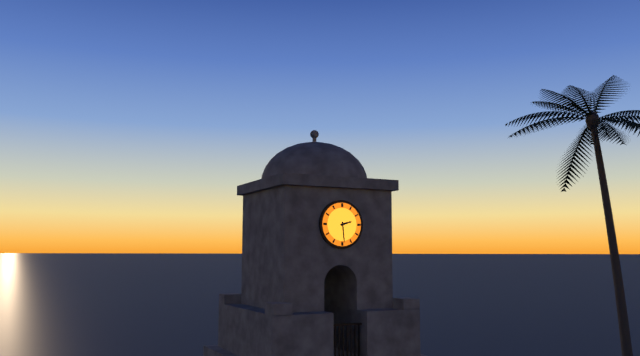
2:29
